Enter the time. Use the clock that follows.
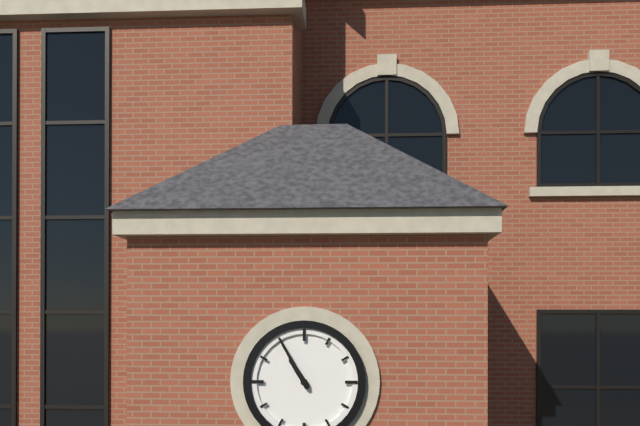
10:55
